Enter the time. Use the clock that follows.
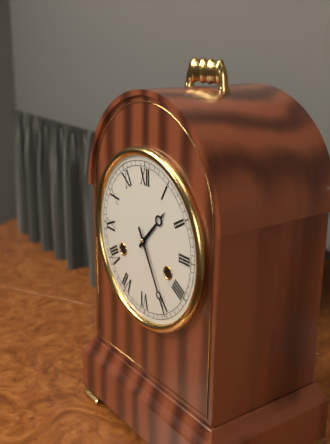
1:25
